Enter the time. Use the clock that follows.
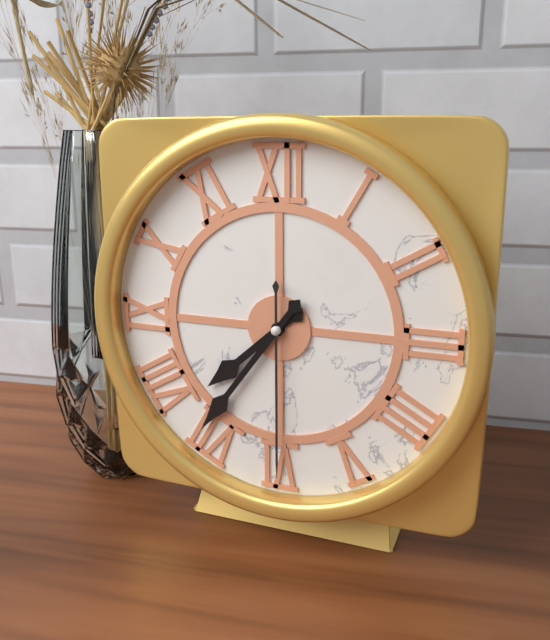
7:36:30
